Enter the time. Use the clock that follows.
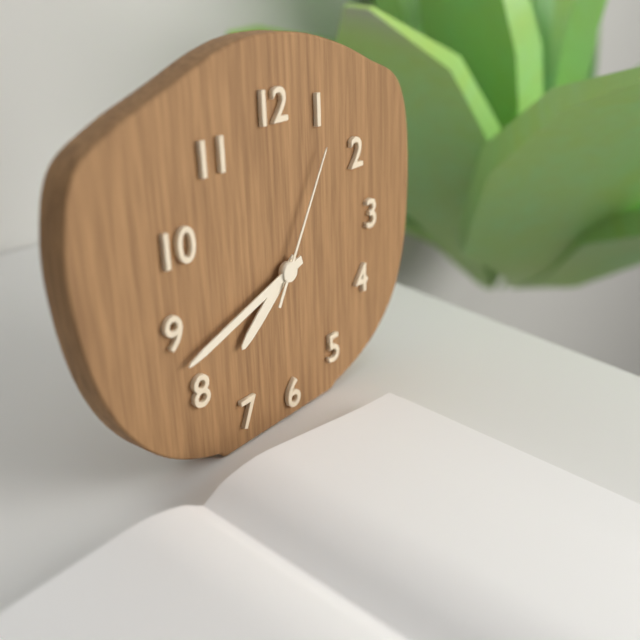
7:42:05
